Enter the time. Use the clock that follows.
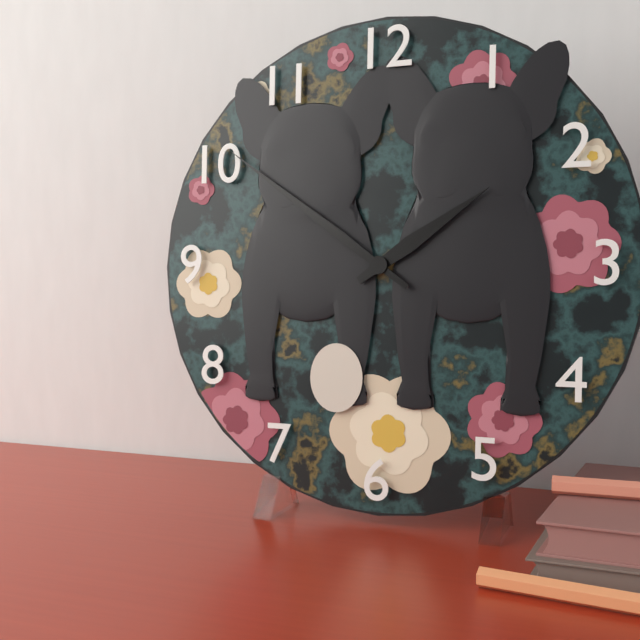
1:51
